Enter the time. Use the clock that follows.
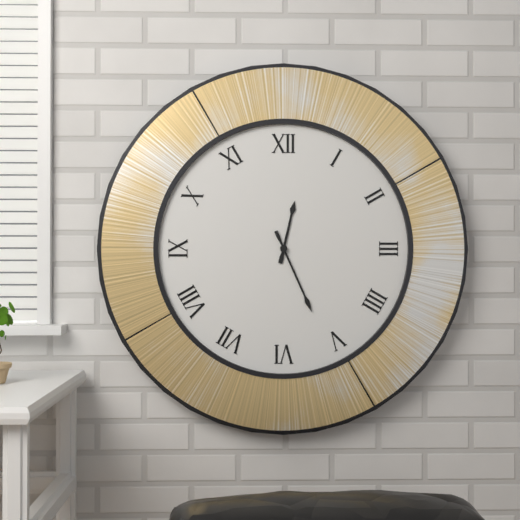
12:26
